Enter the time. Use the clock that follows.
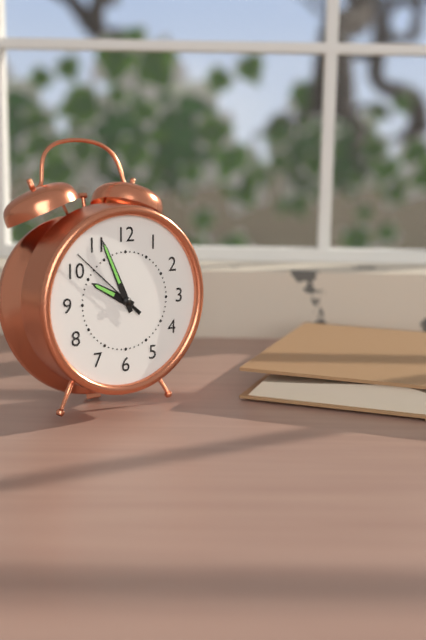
9:56:52
